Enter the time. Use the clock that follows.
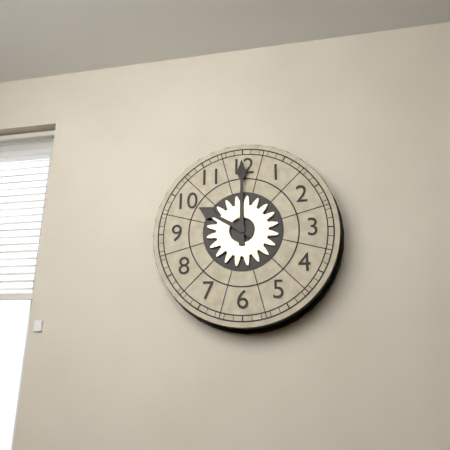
10:00
